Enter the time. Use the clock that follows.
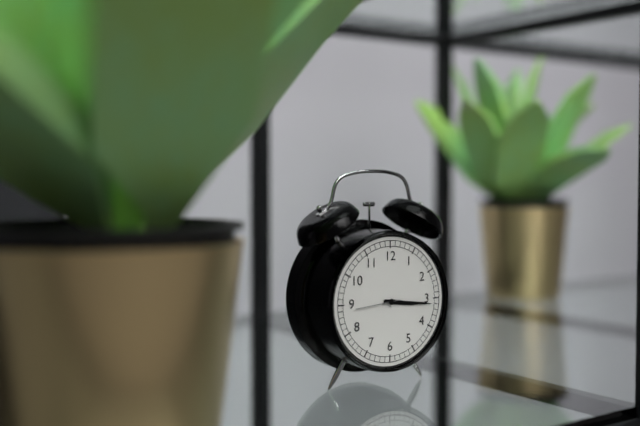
3:16
